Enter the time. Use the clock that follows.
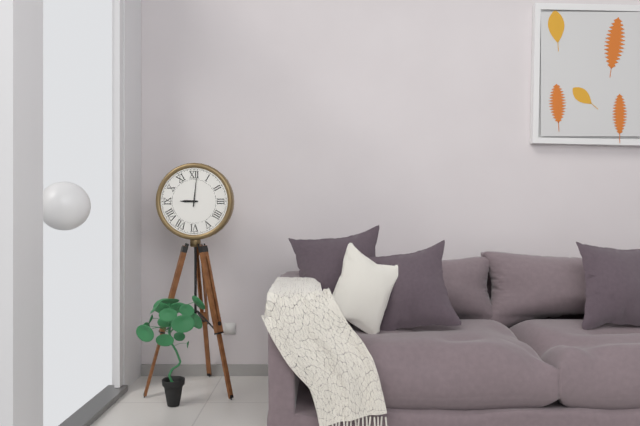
9:01
